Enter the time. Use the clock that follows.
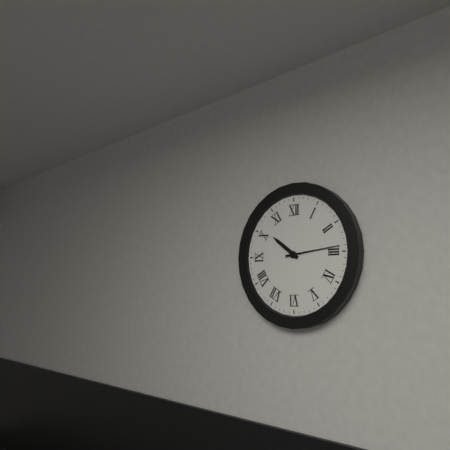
10:14
